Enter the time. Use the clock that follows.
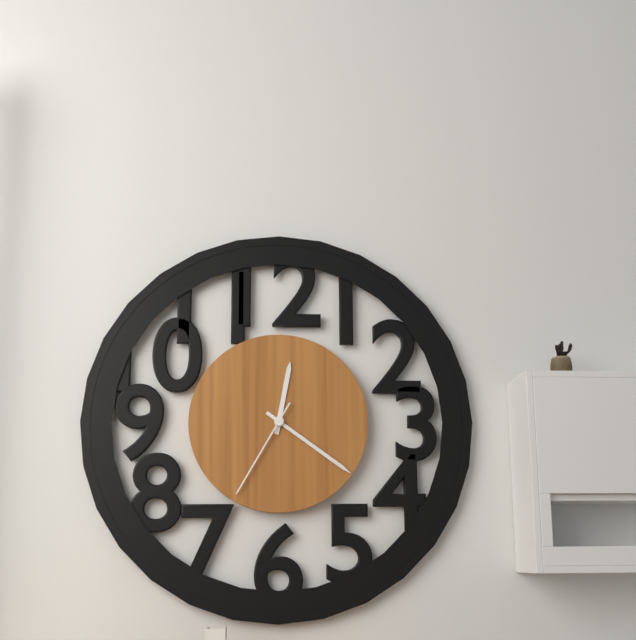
12:21:35
